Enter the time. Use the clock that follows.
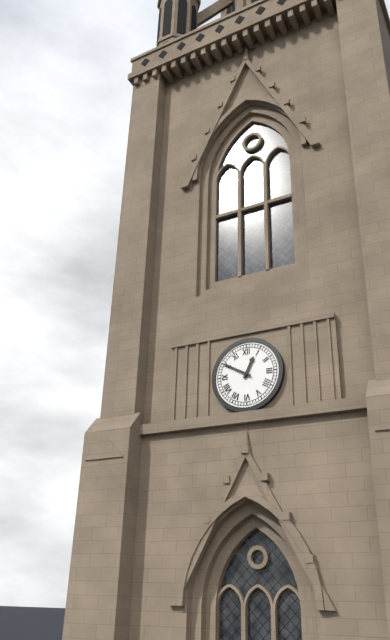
12:50
